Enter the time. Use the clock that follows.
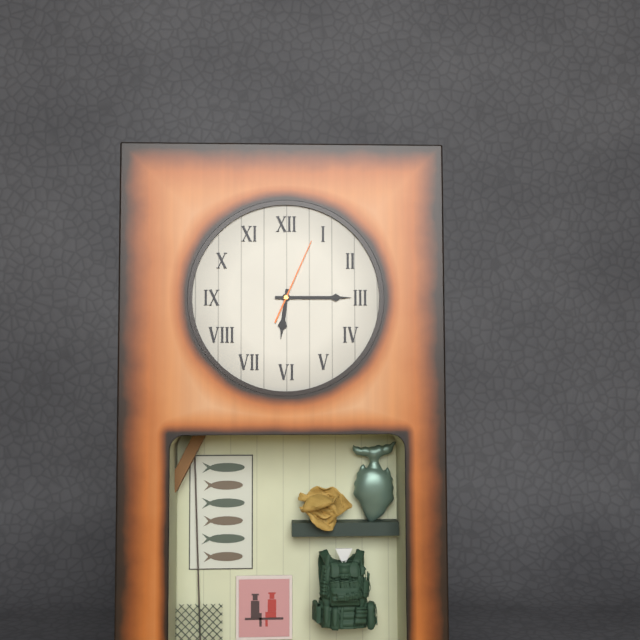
6:15:04
